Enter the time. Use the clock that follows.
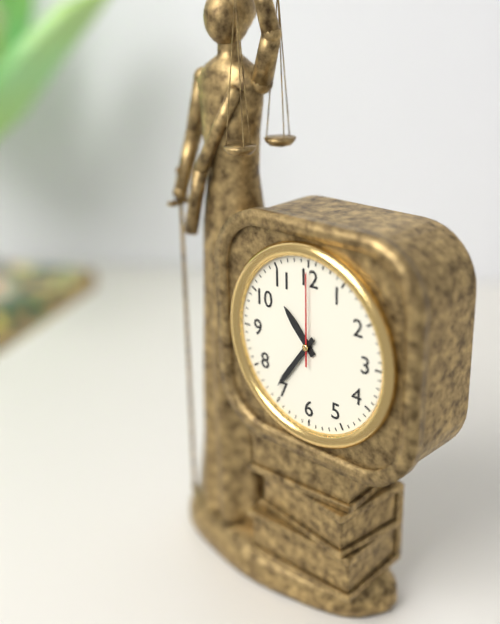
10:36:00
